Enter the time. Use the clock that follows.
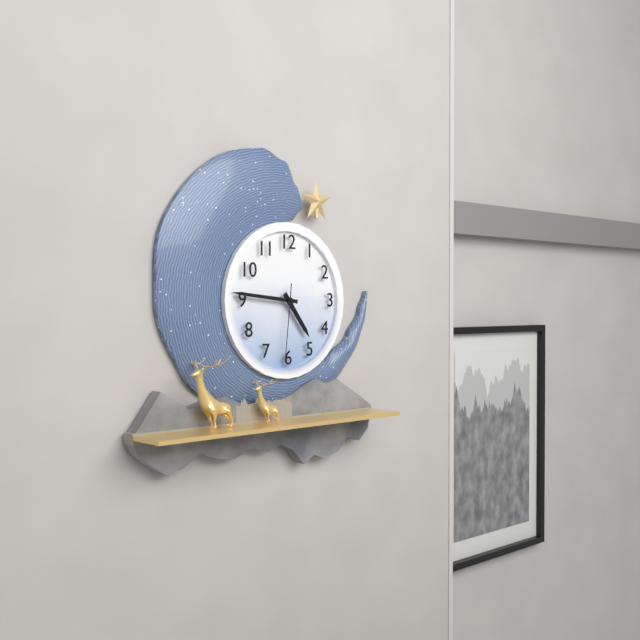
4:46:31
